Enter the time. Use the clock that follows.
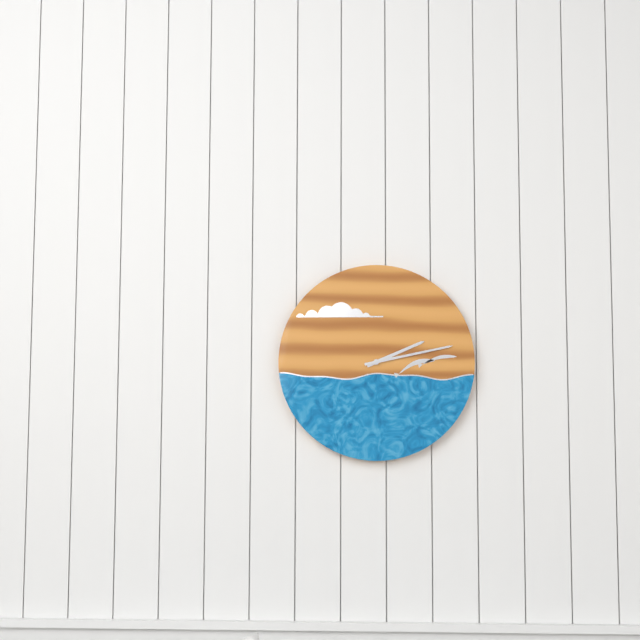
2:13
